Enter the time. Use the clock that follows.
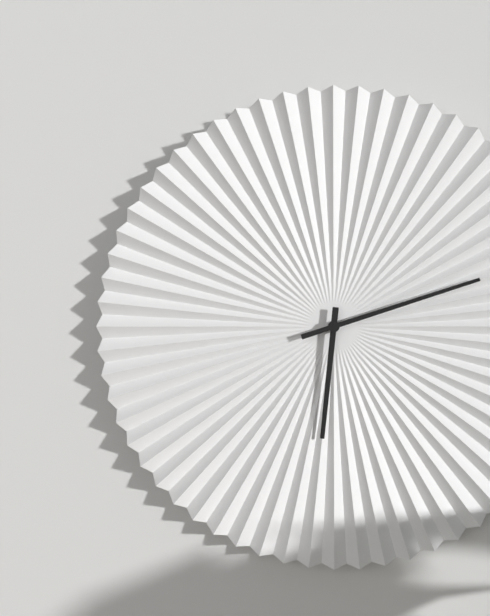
6:12
